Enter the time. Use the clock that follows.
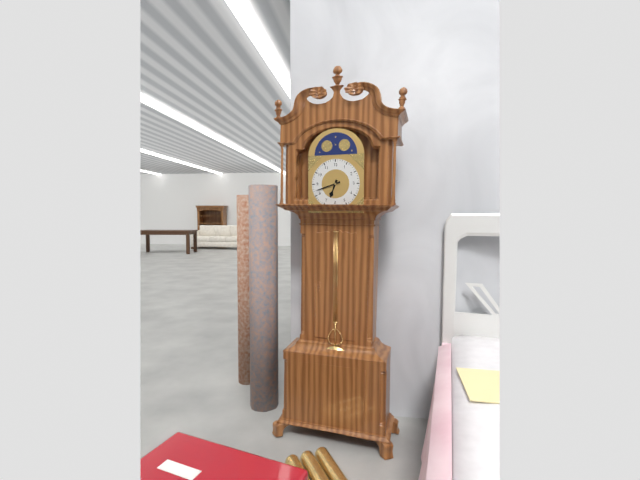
6:42
